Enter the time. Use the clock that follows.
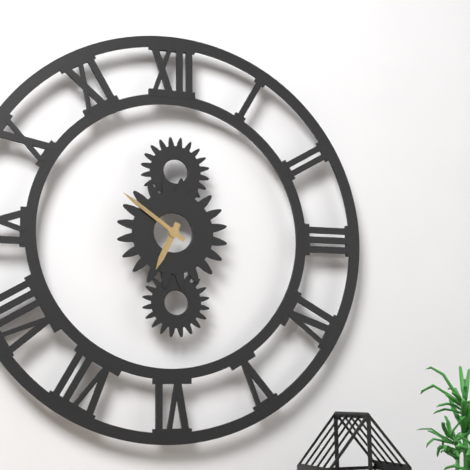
6:51
